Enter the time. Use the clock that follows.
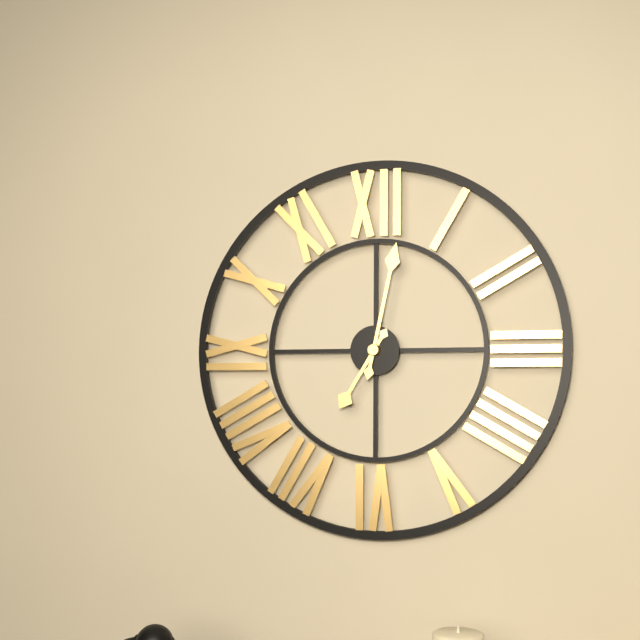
7:02
